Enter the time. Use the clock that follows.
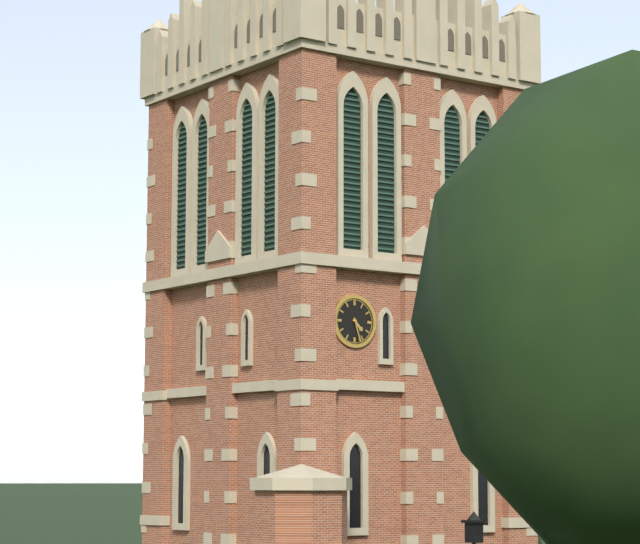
4:27
